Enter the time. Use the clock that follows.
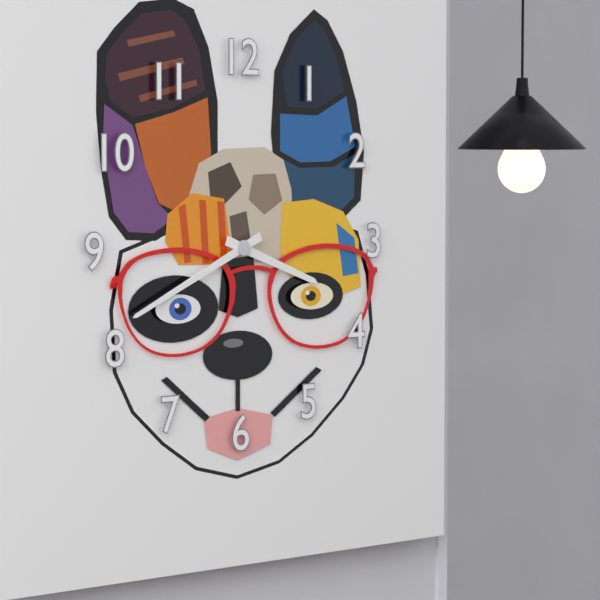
3:41
